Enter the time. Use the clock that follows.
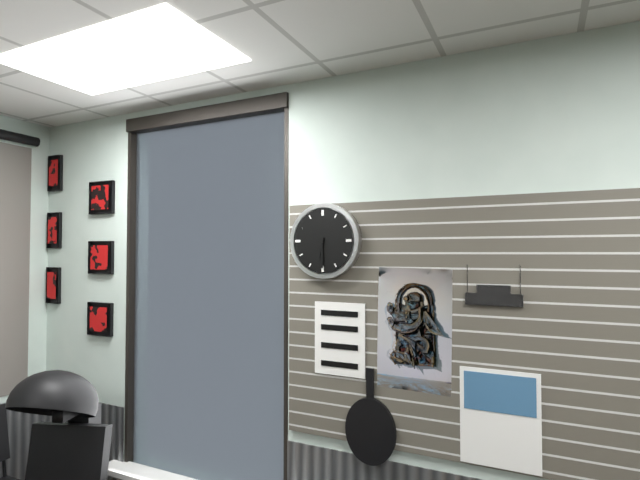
6:30
